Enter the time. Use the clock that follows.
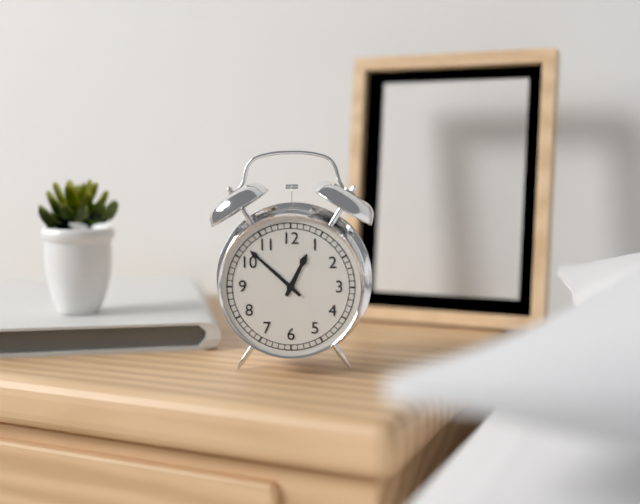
12:52
